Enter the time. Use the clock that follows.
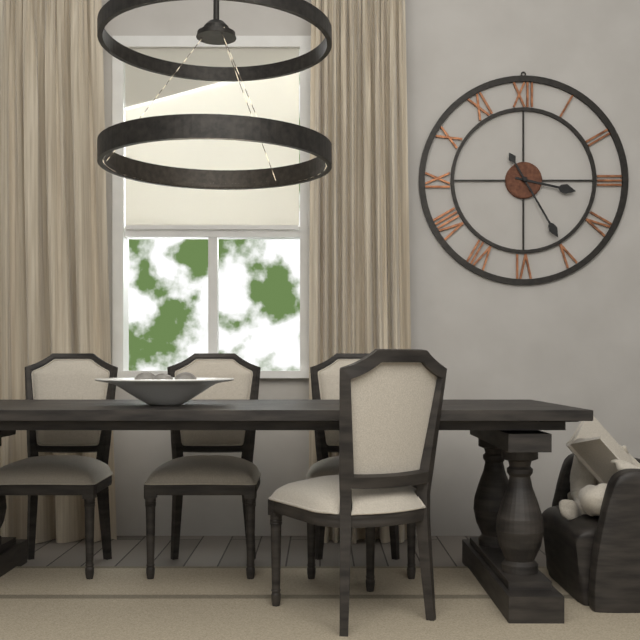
3:25
